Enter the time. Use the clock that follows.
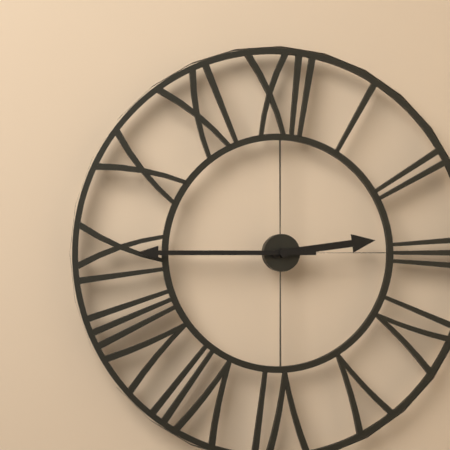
2:45
